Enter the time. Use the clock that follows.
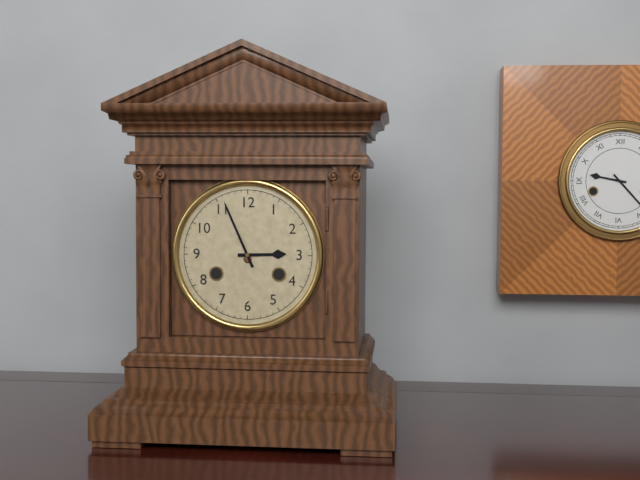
2:56
